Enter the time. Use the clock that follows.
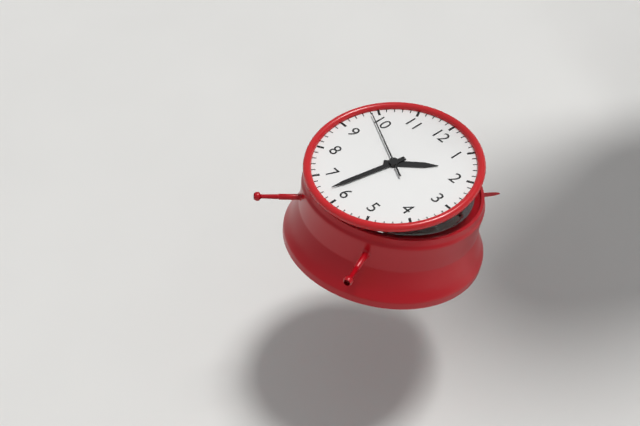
1:32:49
